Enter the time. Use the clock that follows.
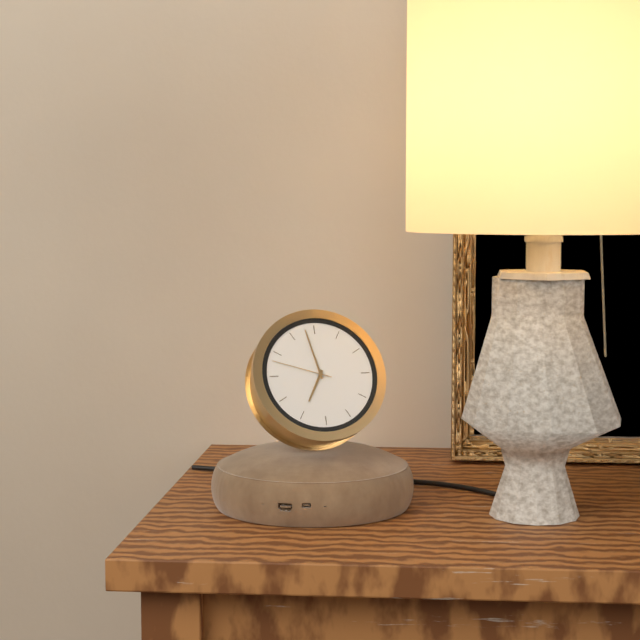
6:58:48
